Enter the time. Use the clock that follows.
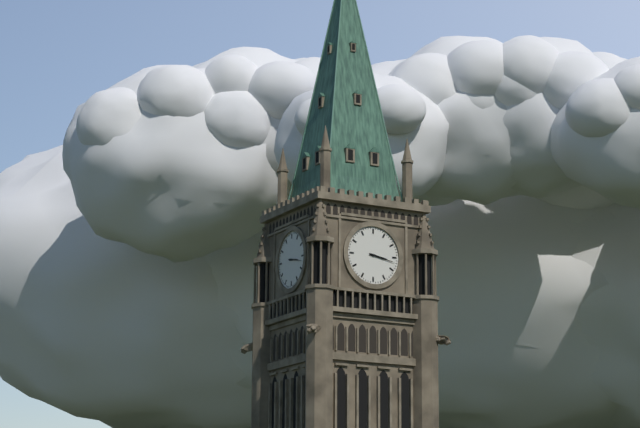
3:17
